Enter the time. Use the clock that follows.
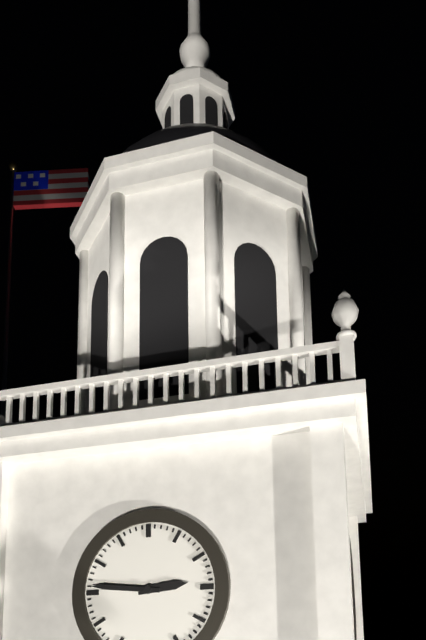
2:46
